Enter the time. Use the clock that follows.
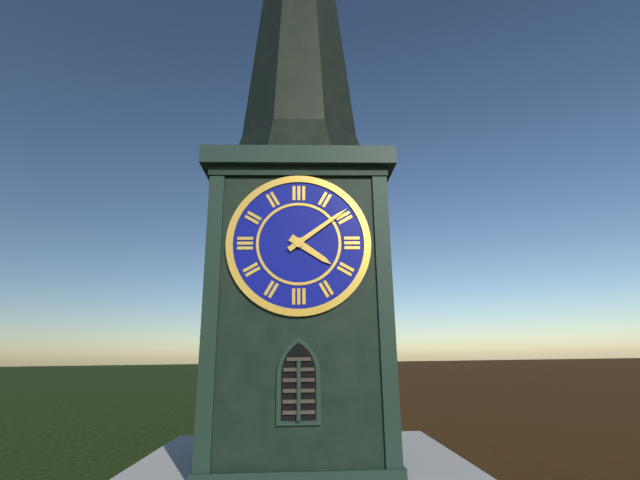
4:09
